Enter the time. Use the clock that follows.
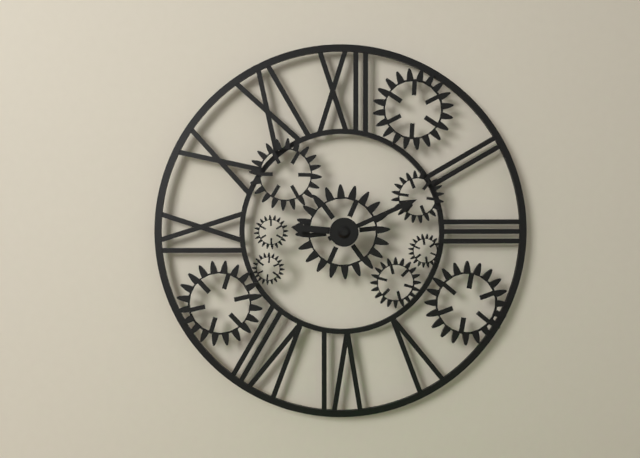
9:11
